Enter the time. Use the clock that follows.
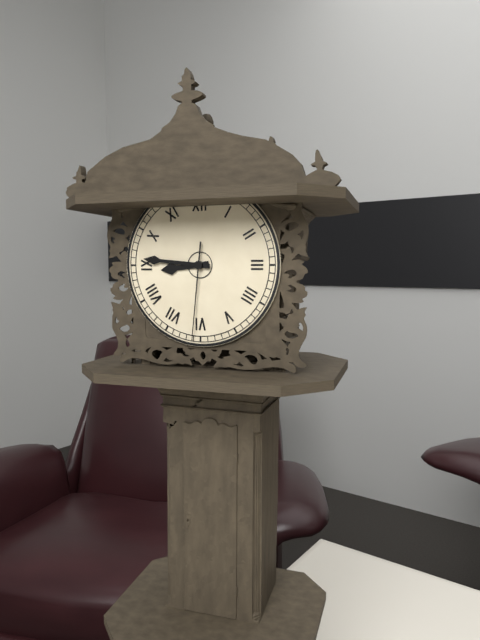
8:46:31
